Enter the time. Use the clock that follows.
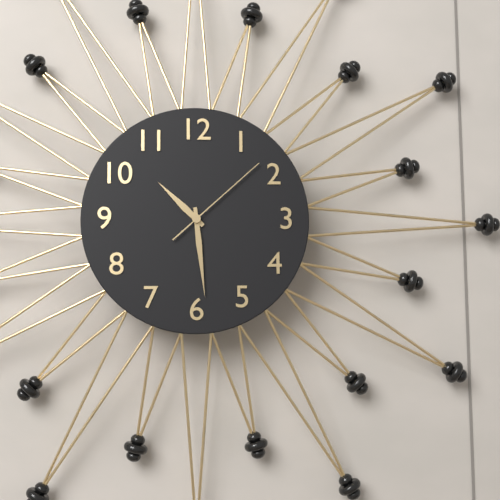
10:29:08
